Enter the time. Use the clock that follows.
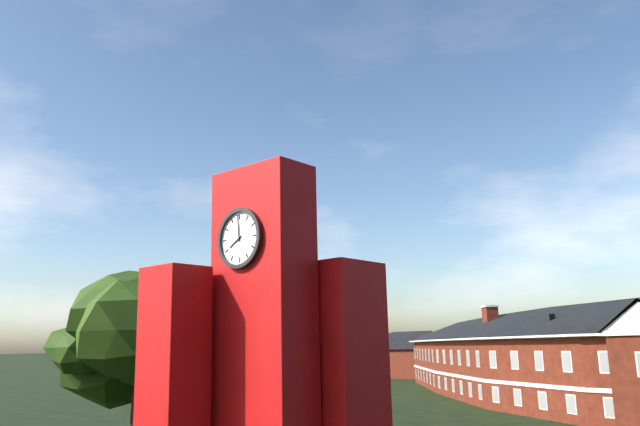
7:59
